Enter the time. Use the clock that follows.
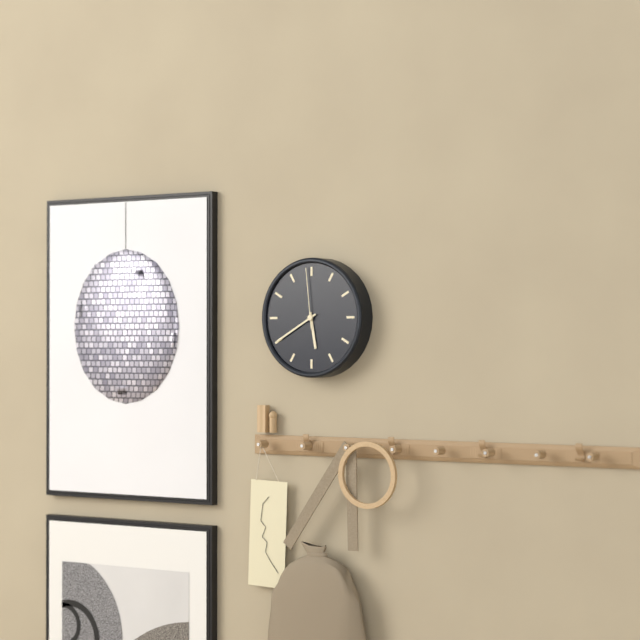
5:40:59
